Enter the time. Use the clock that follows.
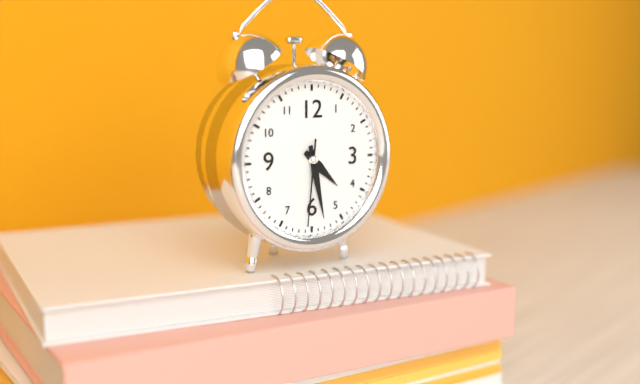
4:28:31
